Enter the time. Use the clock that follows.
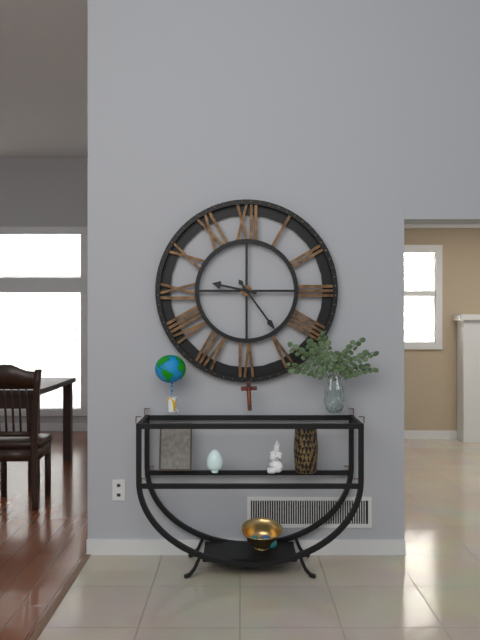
9:24
